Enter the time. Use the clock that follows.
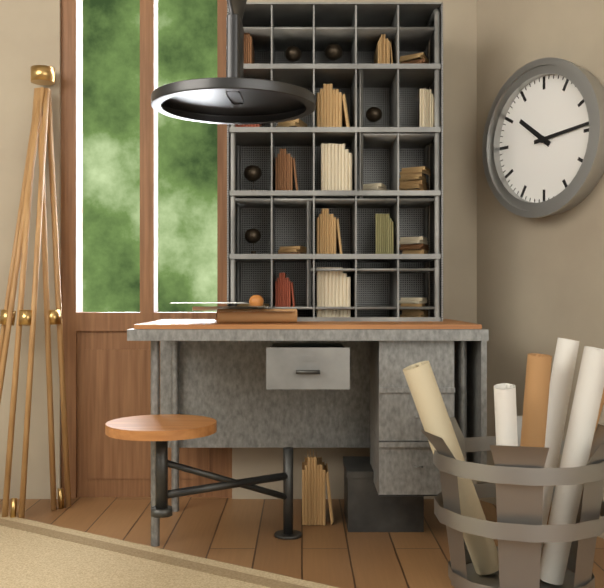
10:14
